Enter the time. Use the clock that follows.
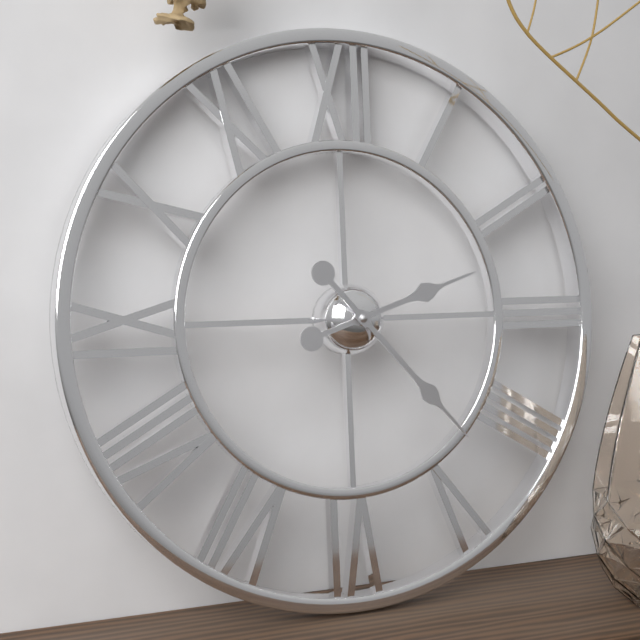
2:23
